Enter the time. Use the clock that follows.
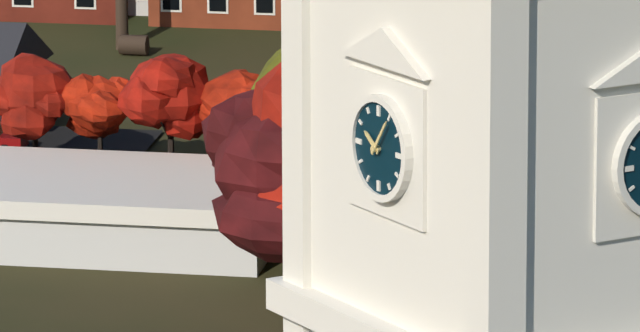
10:06
